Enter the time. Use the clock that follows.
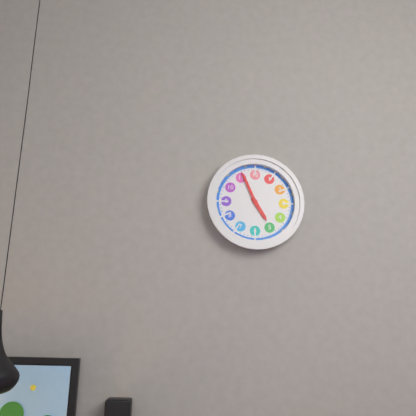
4:56
